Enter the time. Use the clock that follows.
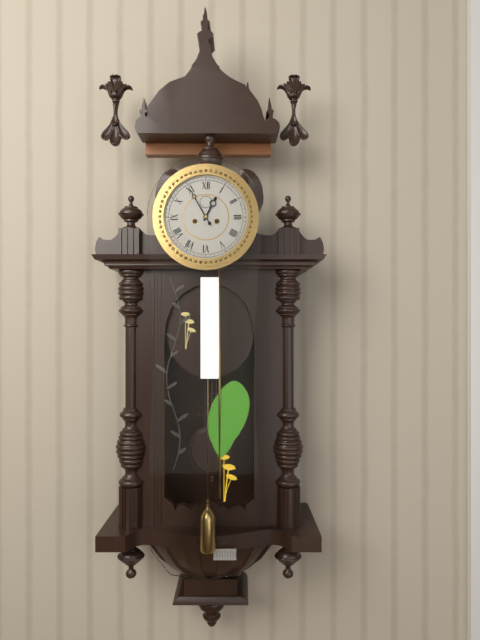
12:55
